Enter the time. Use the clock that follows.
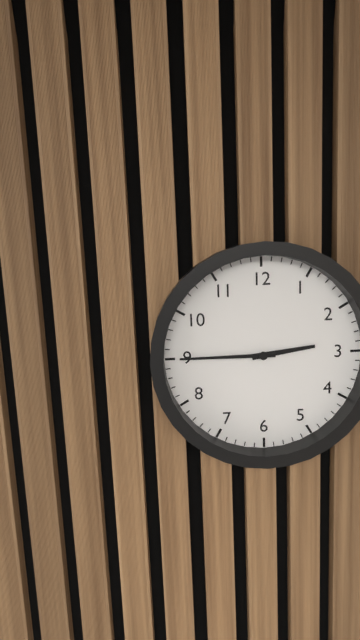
2:45
